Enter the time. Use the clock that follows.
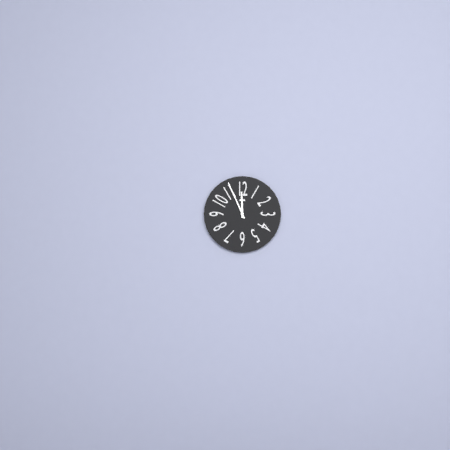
11:56
